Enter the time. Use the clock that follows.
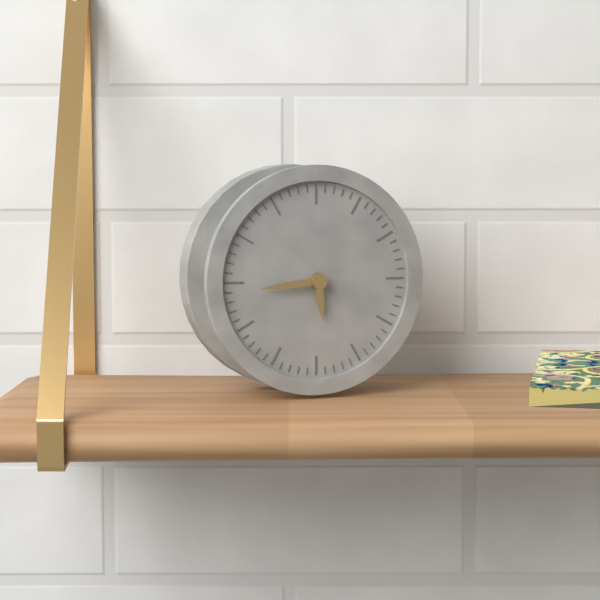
5:44
